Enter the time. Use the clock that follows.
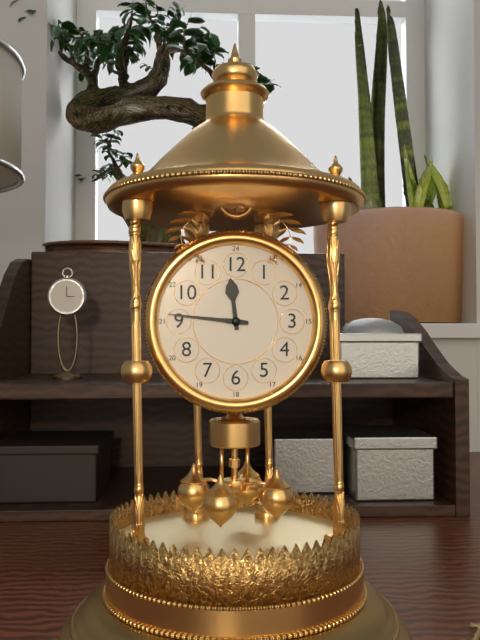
11:46
